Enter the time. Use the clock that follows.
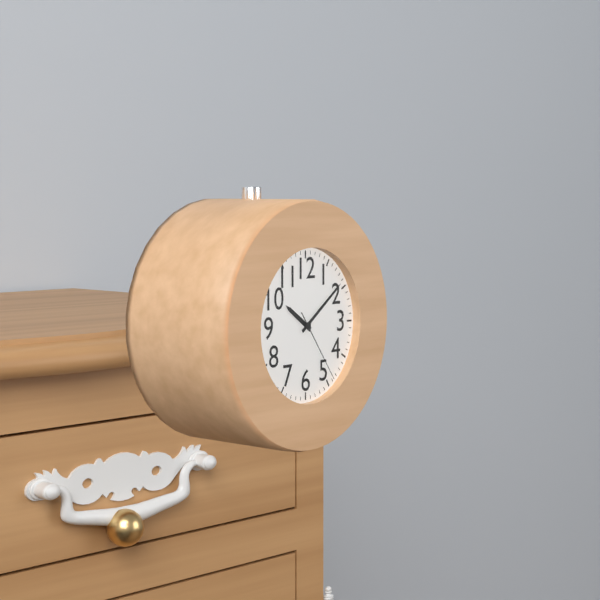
10:09:24
